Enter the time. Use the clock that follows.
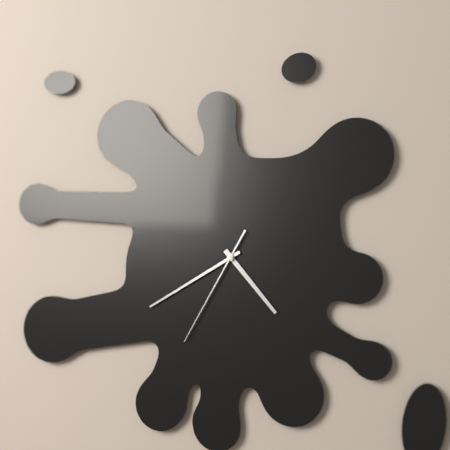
4:40:35
